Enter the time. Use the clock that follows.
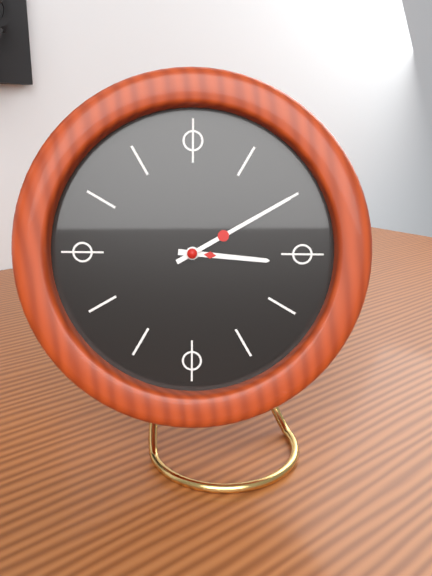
3:10
